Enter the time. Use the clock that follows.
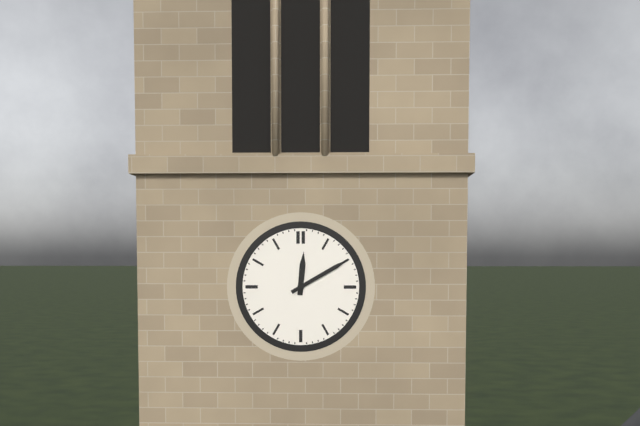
12:10
